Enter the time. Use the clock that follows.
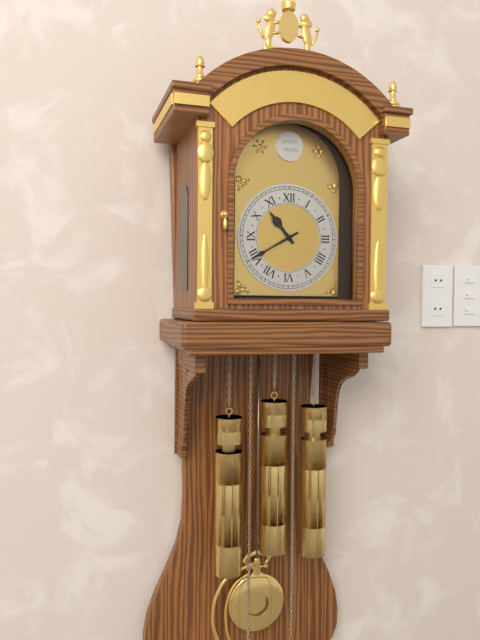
10:40
